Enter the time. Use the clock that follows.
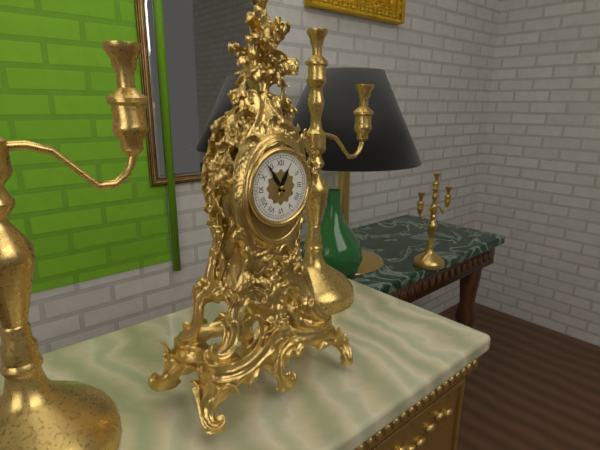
12:54
